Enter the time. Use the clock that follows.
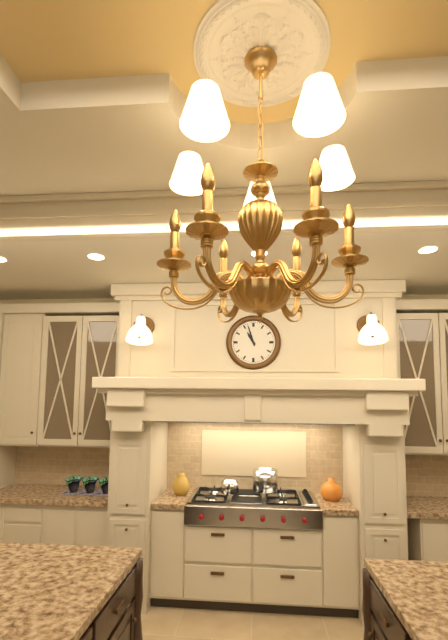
10:57
